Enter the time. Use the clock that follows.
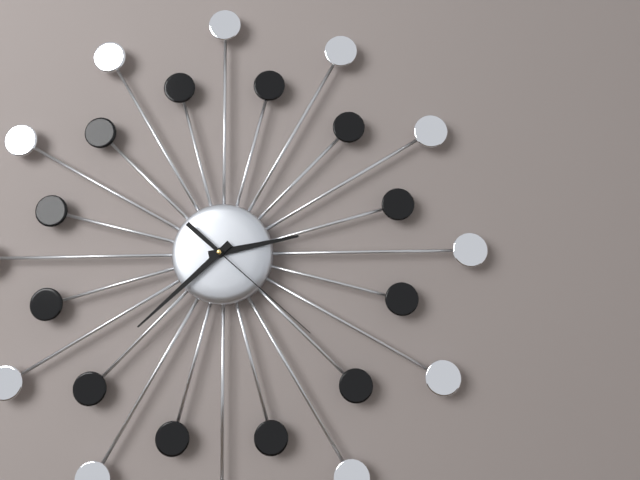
2:38:22
